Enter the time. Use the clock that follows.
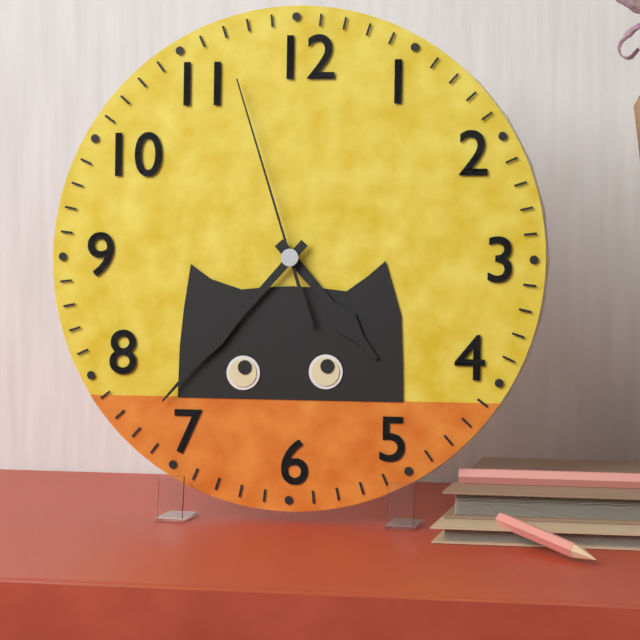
4:37:57
